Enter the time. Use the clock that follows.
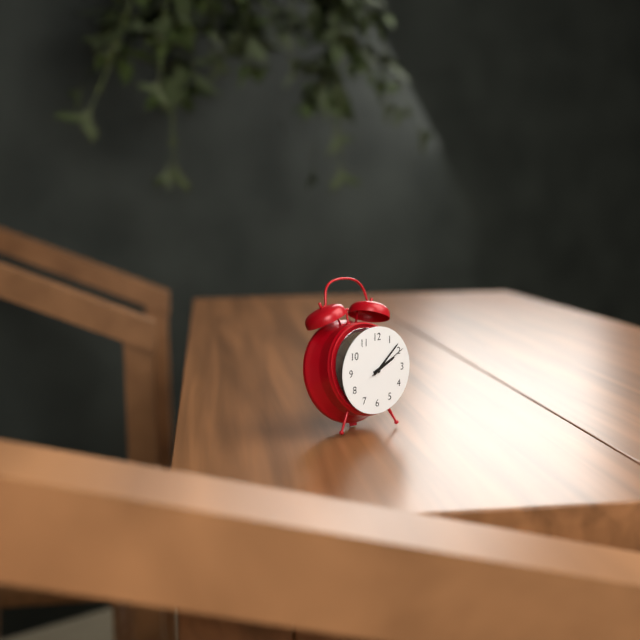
2:08
